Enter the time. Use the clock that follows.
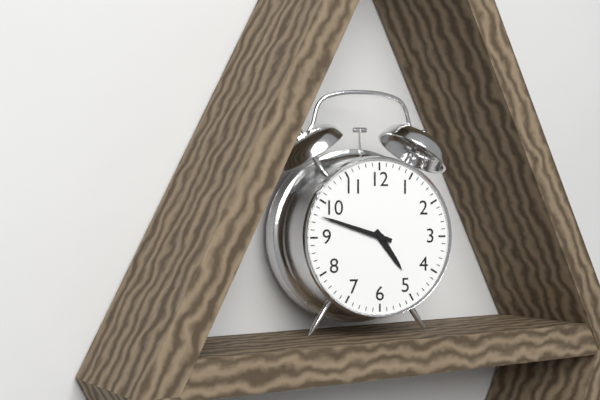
4:48
